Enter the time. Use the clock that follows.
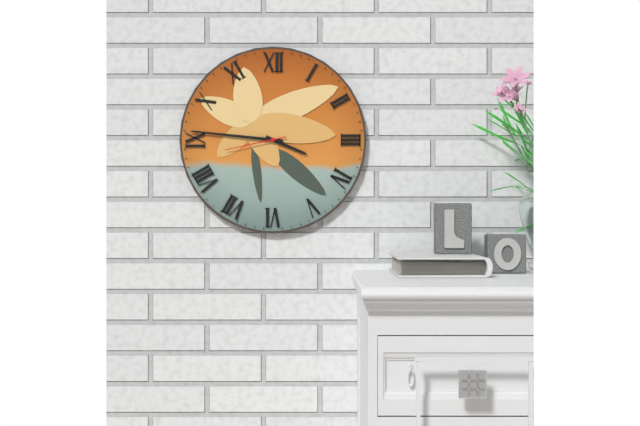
3:46:43
